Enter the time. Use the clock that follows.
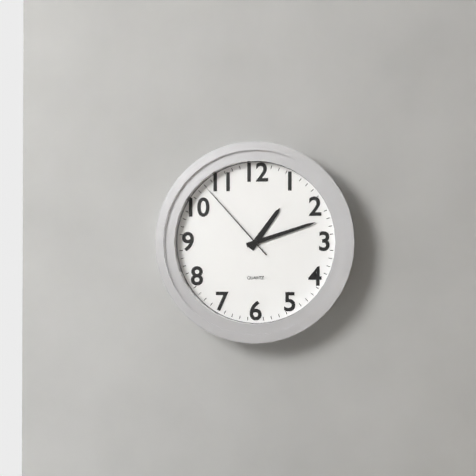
1:12:53
